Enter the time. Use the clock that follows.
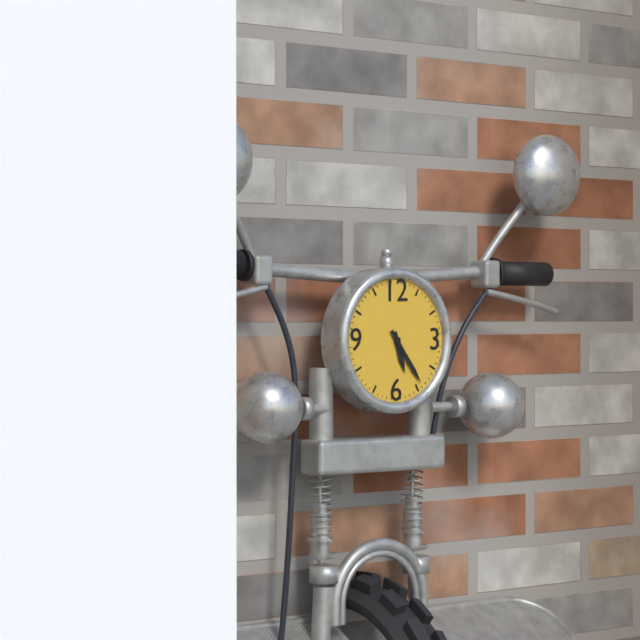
5:24
